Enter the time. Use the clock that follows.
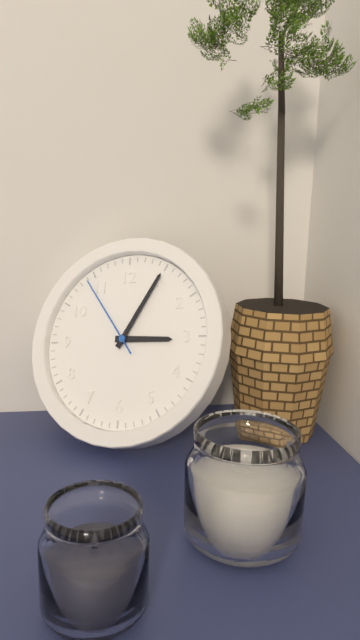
3:05:54
